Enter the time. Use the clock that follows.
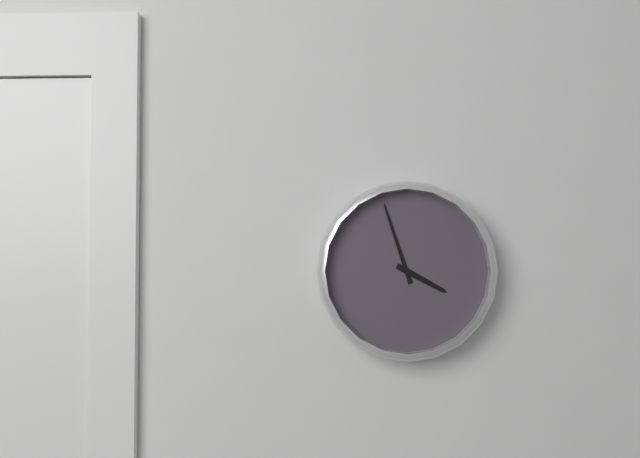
3:57
